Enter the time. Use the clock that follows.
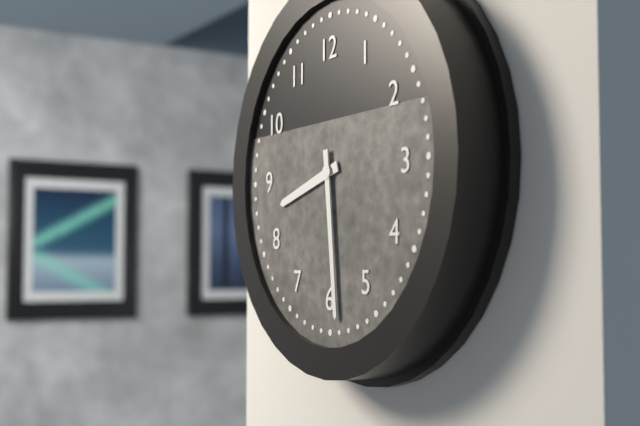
8:29
